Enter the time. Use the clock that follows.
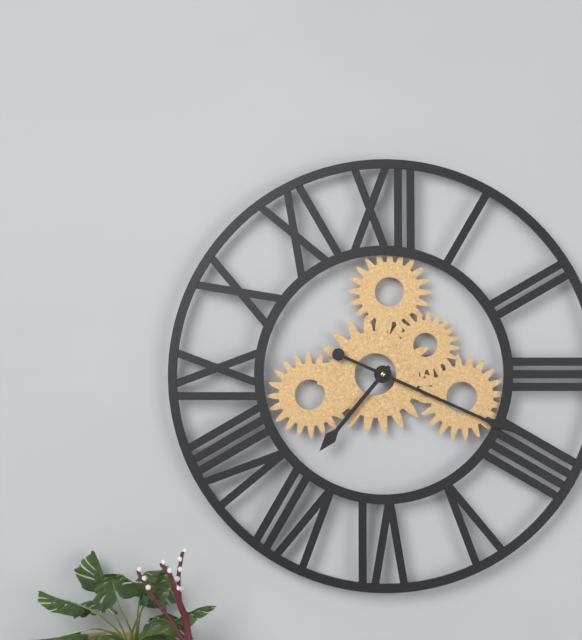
7:19
